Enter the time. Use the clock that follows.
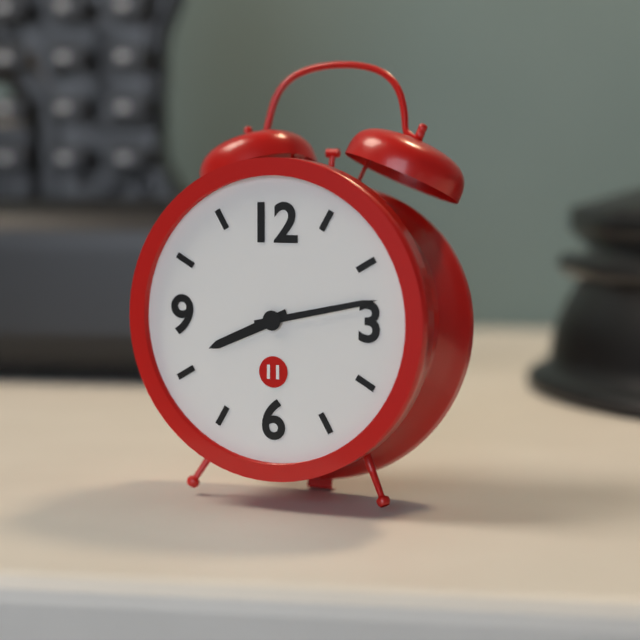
8:13
